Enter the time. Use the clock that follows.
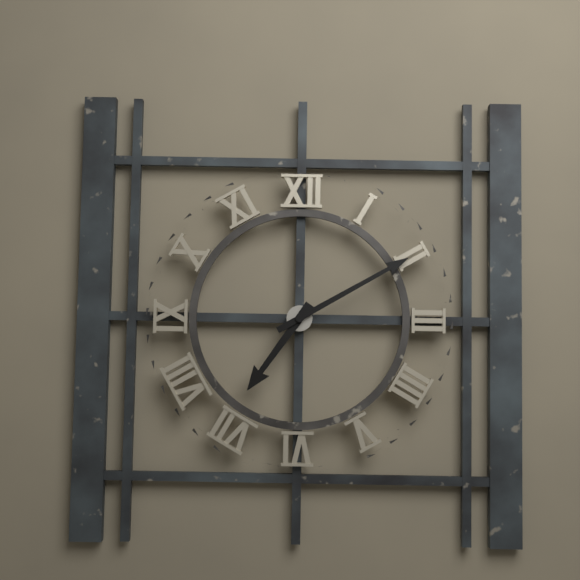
7:10
